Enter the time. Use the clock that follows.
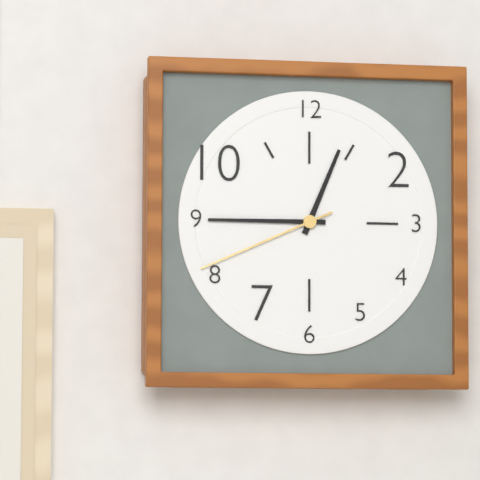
12:45:41
